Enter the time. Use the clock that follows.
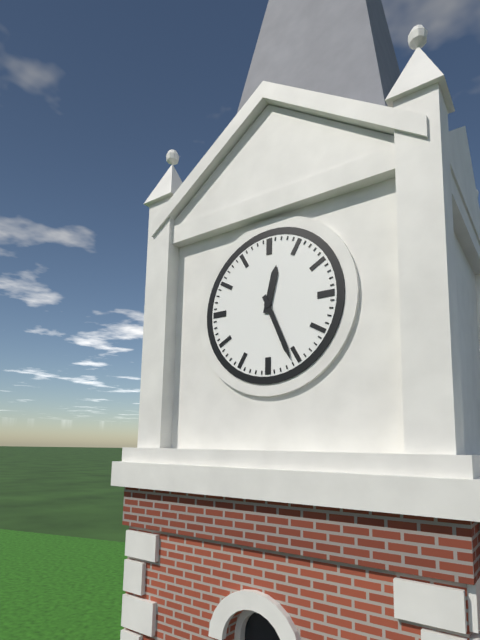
12:26
